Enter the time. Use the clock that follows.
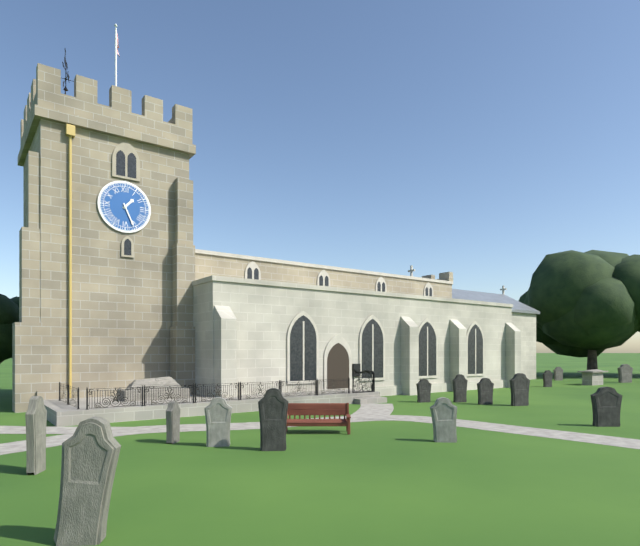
1:26
